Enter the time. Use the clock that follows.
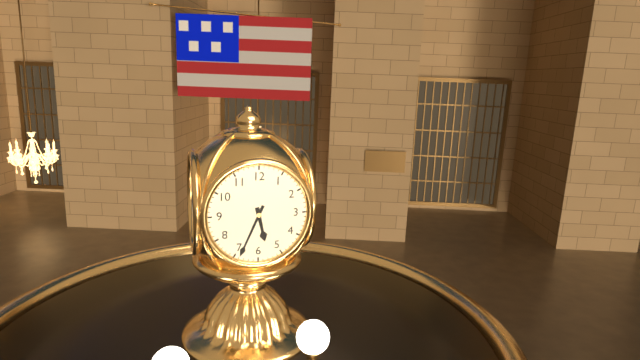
5:34
